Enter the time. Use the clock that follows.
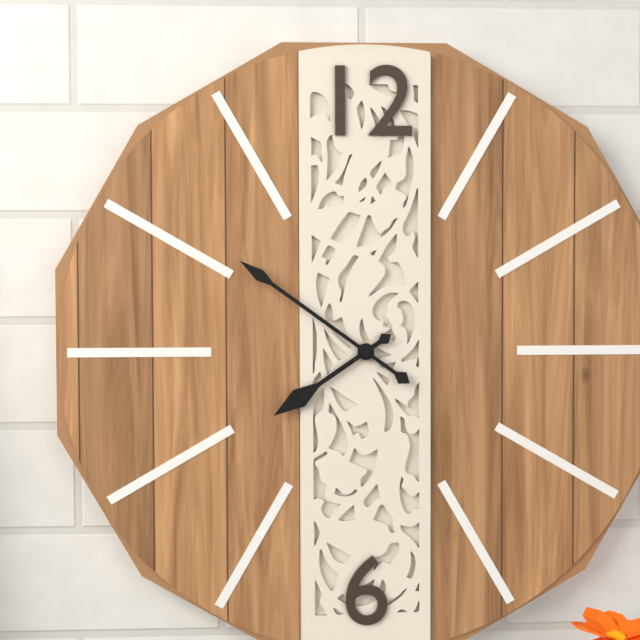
7:51
